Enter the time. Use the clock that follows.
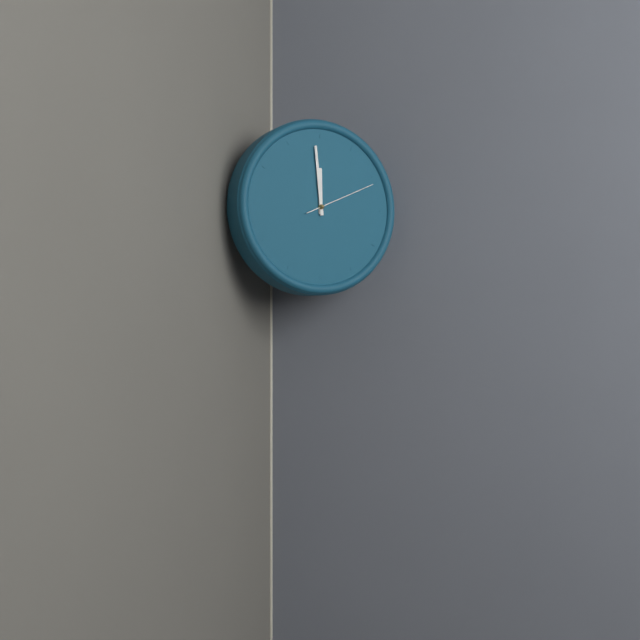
11:59:11
